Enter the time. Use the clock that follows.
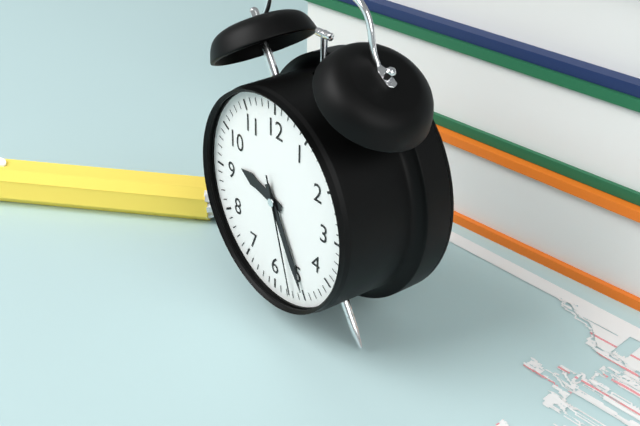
9:25:27
